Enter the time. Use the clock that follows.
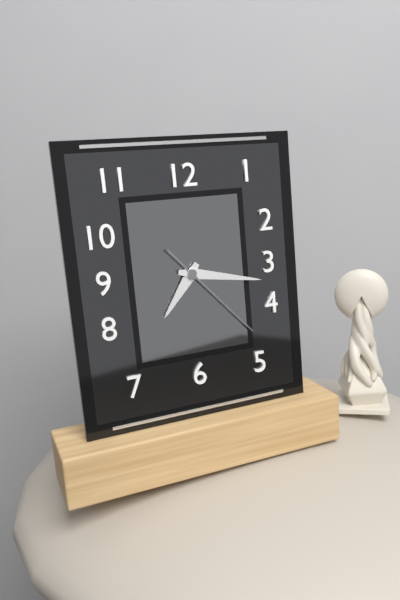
7:17:23
